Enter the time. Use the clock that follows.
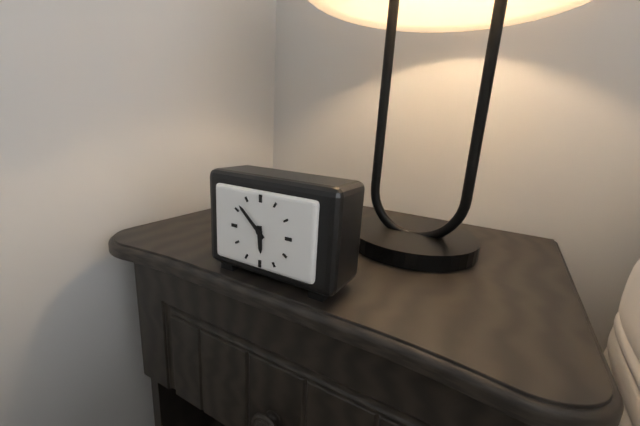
5:52
